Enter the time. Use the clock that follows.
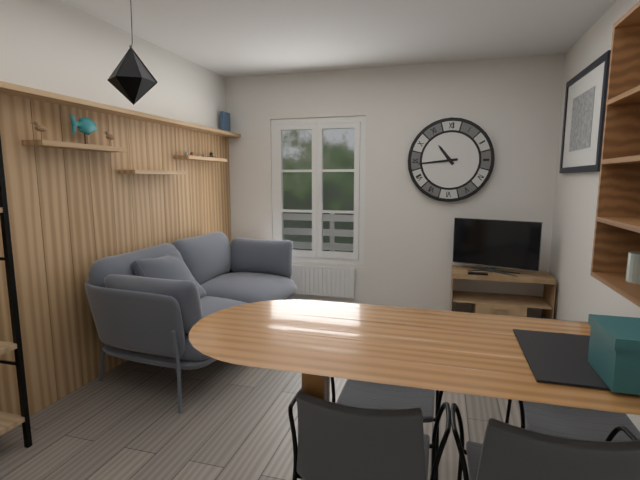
10:44
